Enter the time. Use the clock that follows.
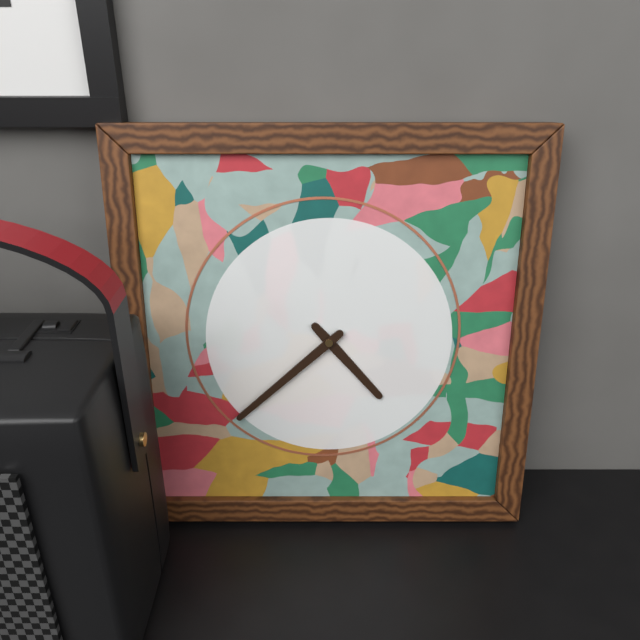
4:38
